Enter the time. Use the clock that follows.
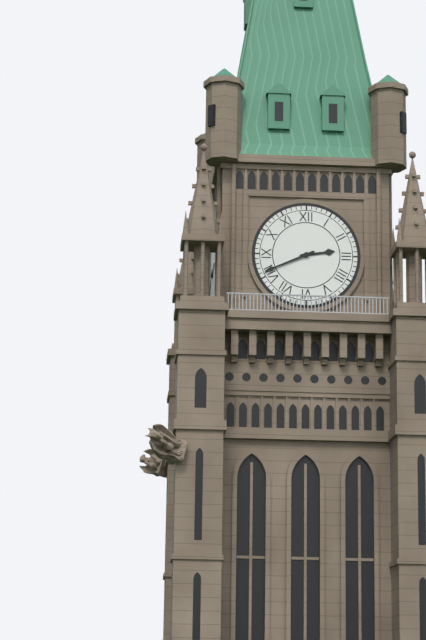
2:41
